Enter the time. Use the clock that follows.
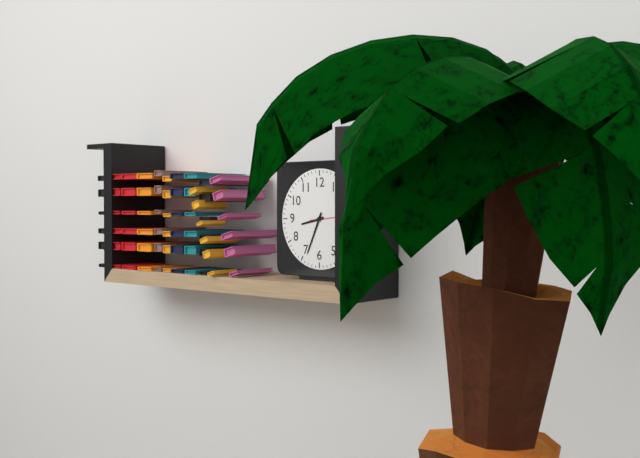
8:34
